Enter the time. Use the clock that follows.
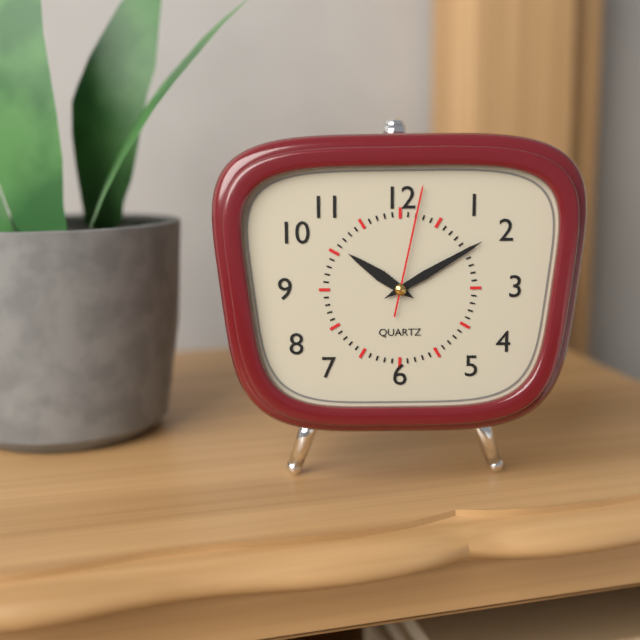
10:10:02
